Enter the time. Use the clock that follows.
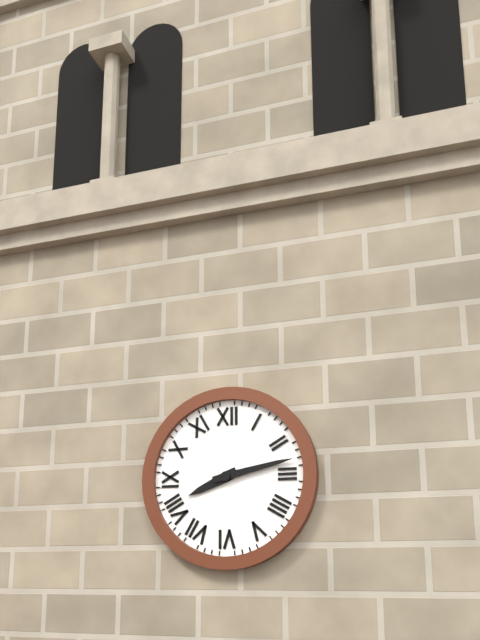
8:13
